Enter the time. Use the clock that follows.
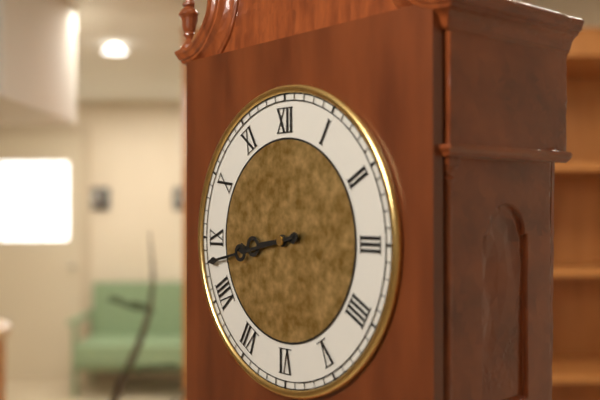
8:43
